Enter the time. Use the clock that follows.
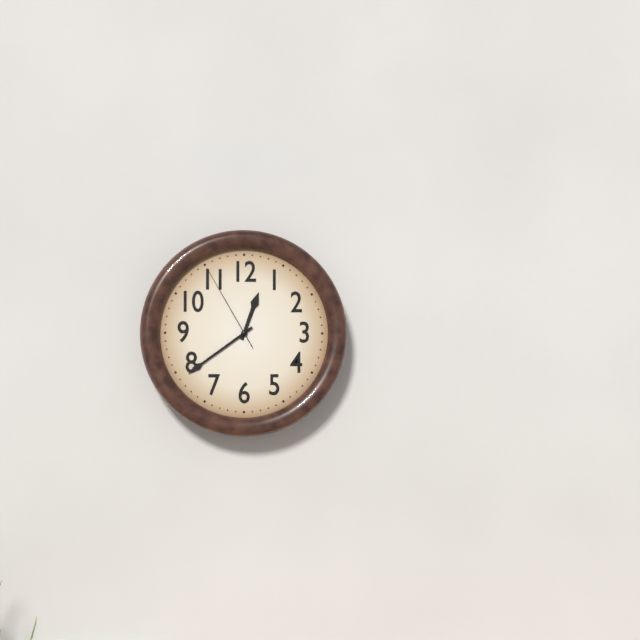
12:39:55
